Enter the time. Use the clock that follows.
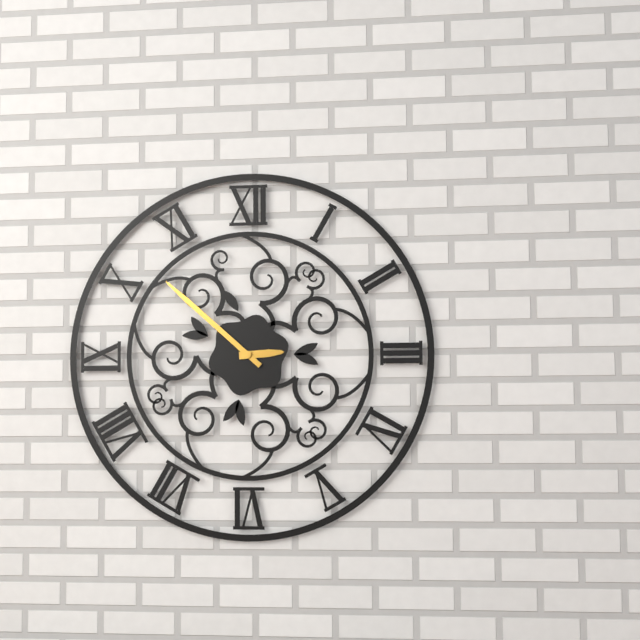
2:52
